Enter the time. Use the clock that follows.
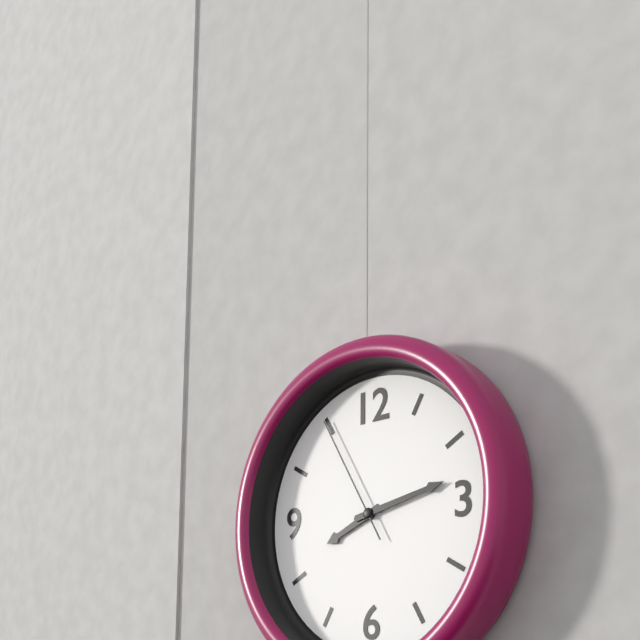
8:13:55
